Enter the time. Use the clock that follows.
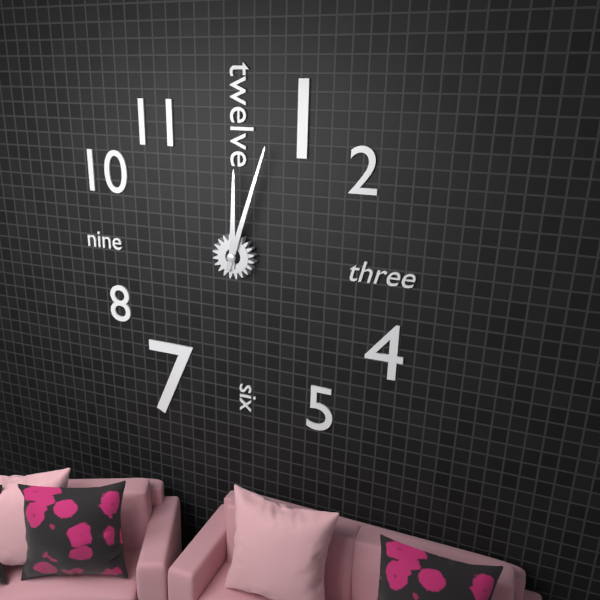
12:03
